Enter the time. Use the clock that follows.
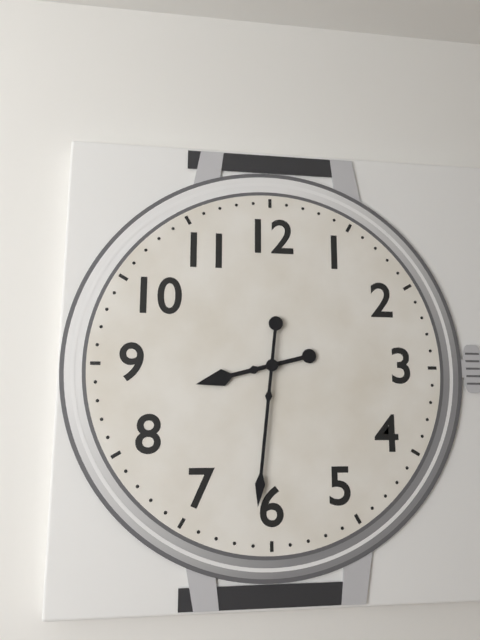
8:31
